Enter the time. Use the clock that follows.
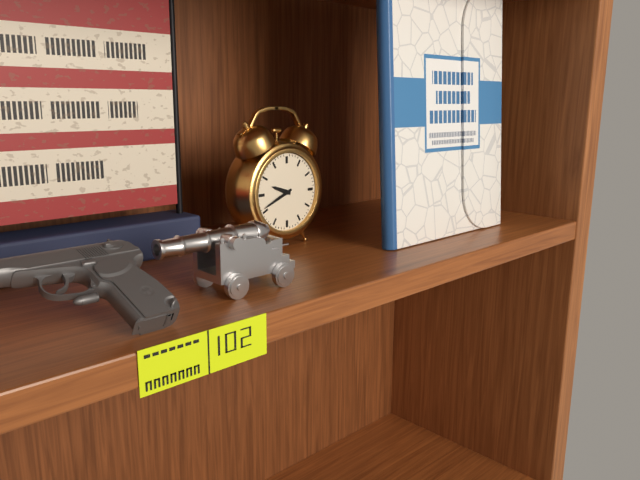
9:41
